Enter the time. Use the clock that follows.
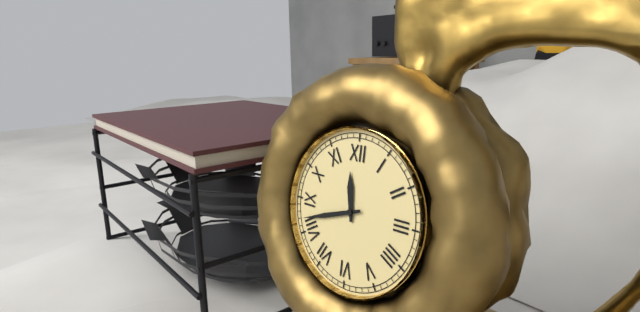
11:42
